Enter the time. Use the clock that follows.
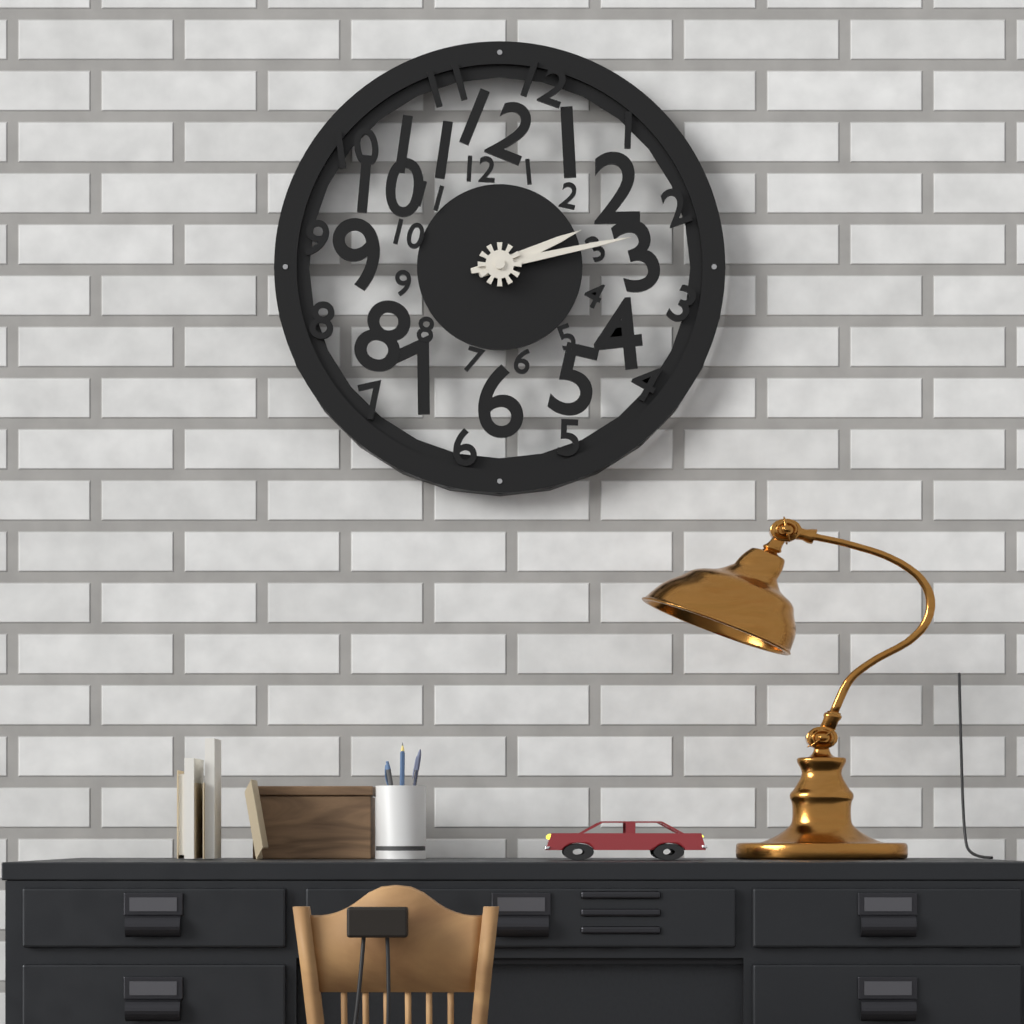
2:13
